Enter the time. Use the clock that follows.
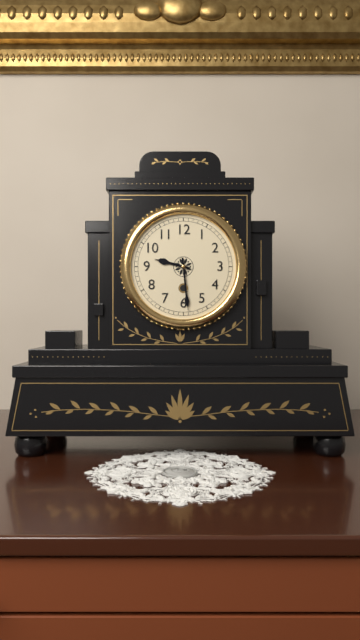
9:29
